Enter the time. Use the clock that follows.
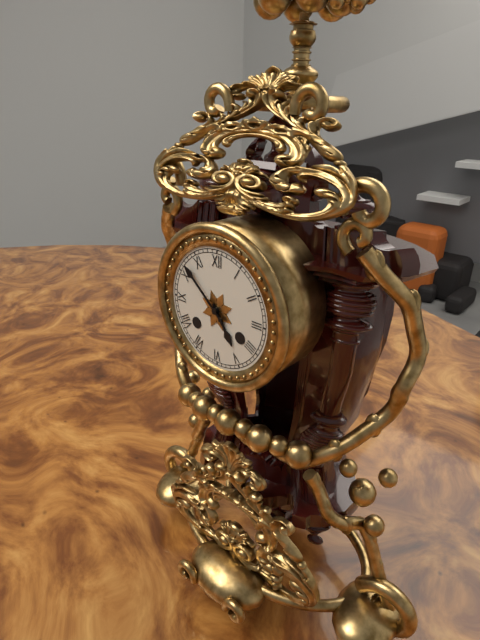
4:52
